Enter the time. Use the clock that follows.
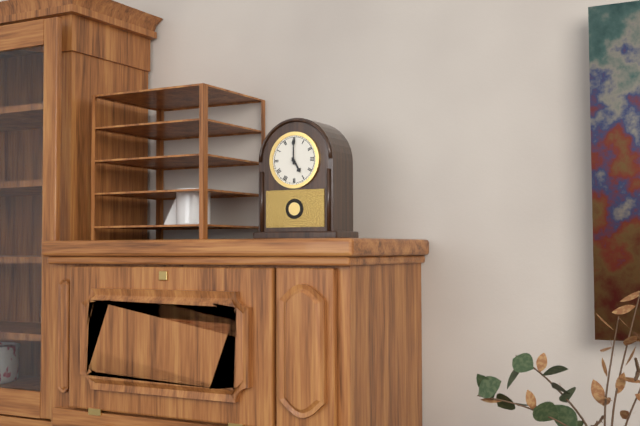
5:00
